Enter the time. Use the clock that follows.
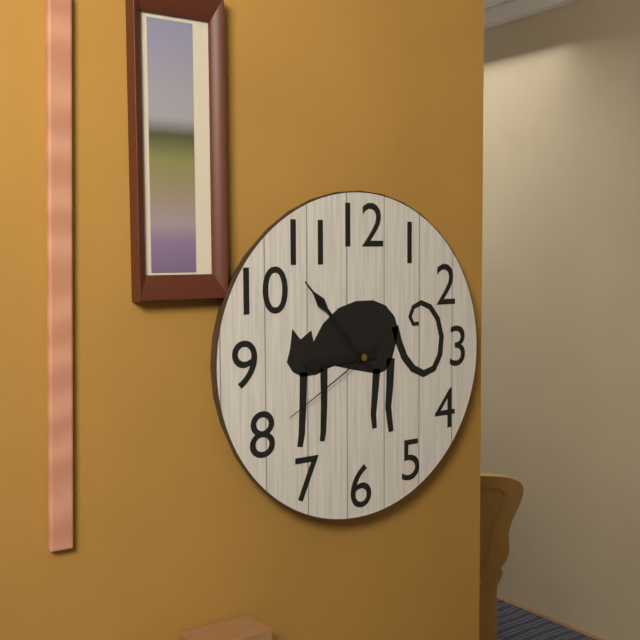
8:53:40
